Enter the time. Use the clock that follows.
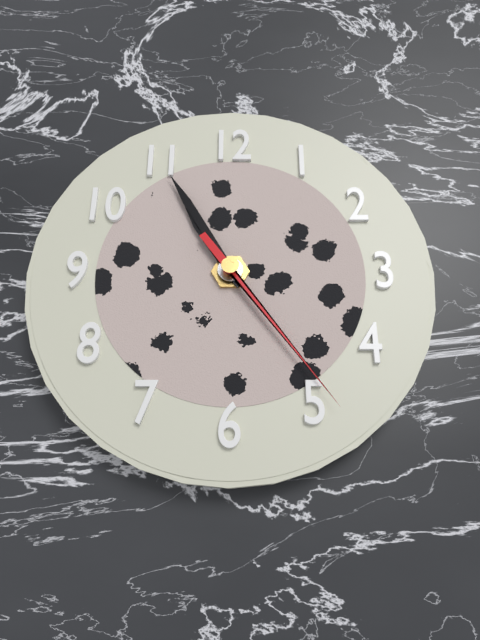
10:55:24
